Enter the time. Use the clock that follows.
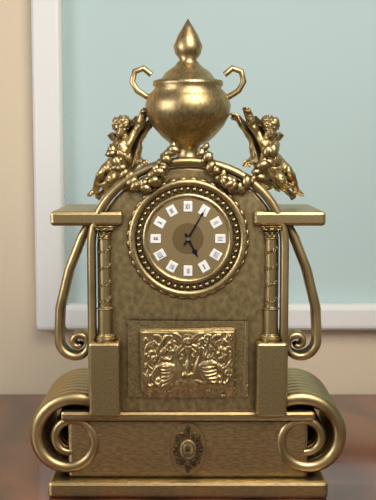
5:05
